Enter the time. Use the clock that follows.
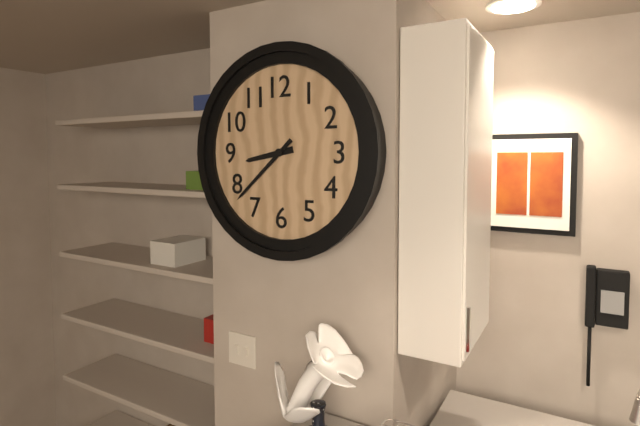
8:38
